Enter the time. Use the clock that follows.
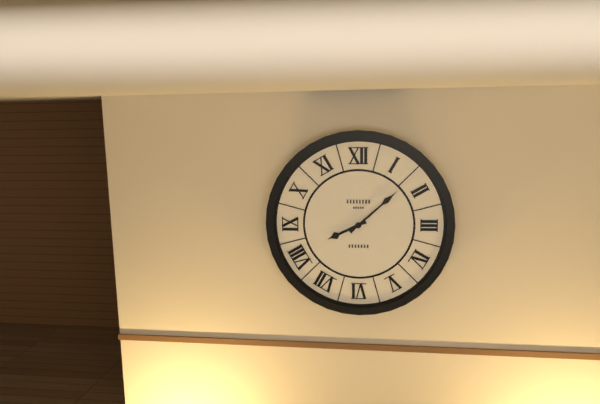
8:08
